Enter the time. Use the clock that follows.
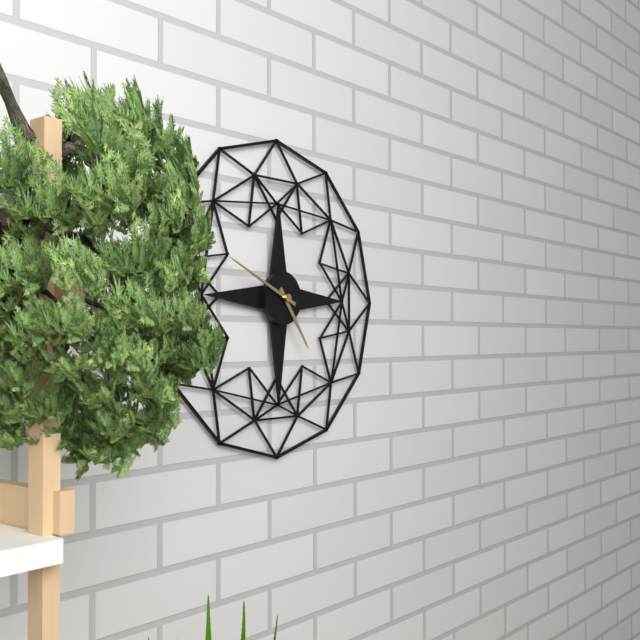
4:49
